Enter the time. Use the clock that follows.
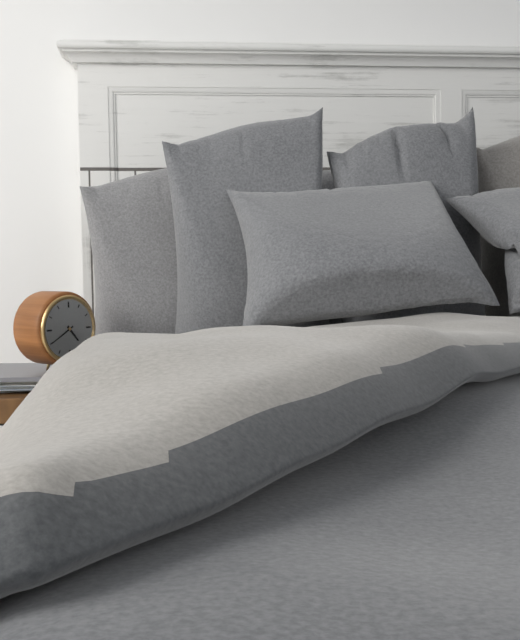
4:40
